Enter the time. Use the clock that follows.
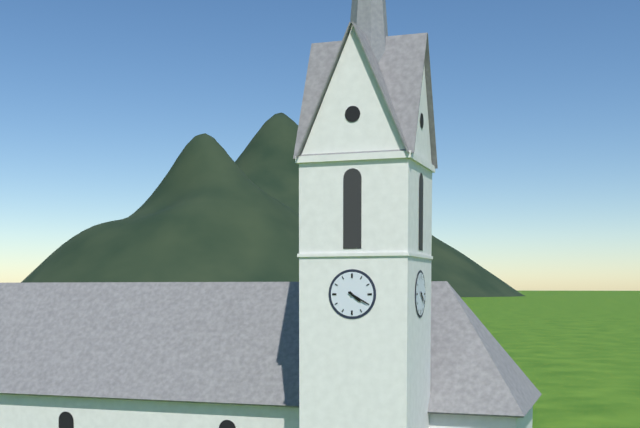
4:20
